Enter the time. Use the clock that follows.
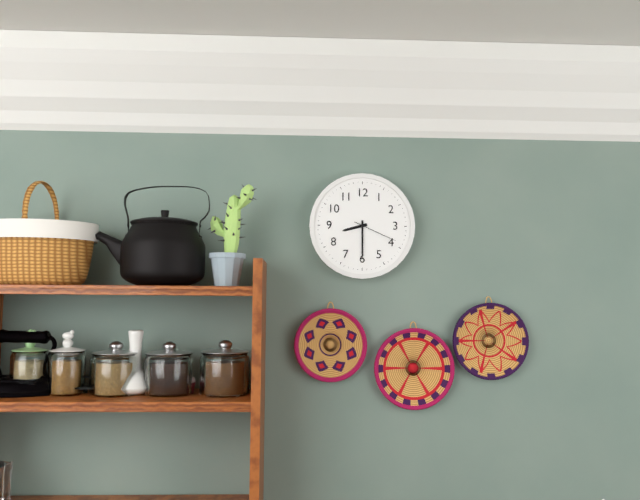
8:30
